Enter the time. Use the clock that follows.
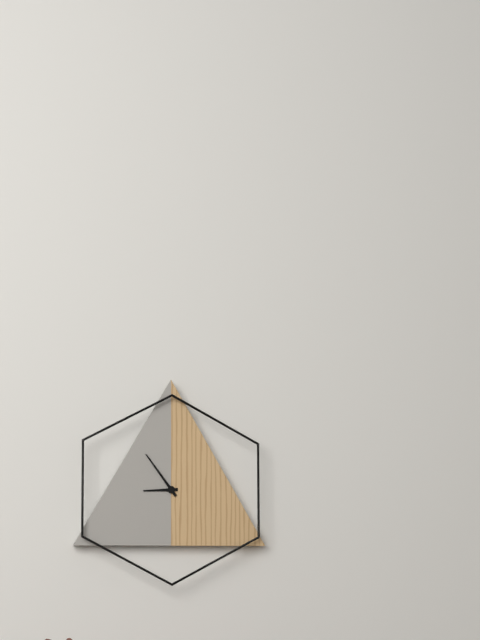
8:54
